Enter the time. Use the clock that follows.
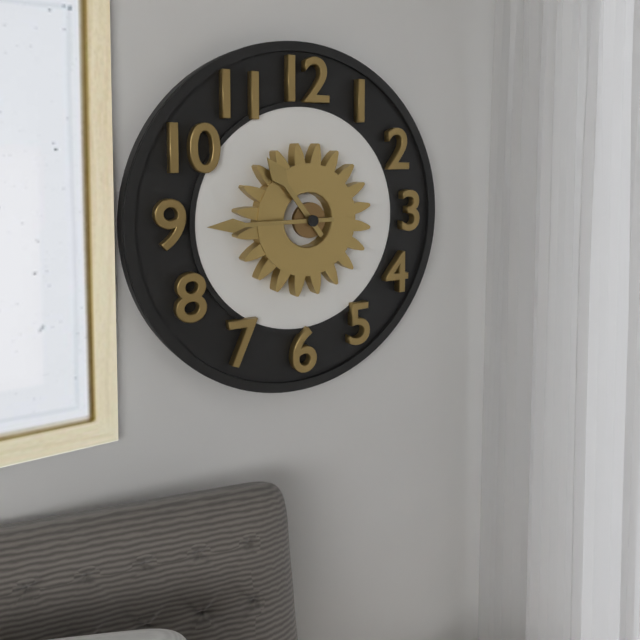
10:45
